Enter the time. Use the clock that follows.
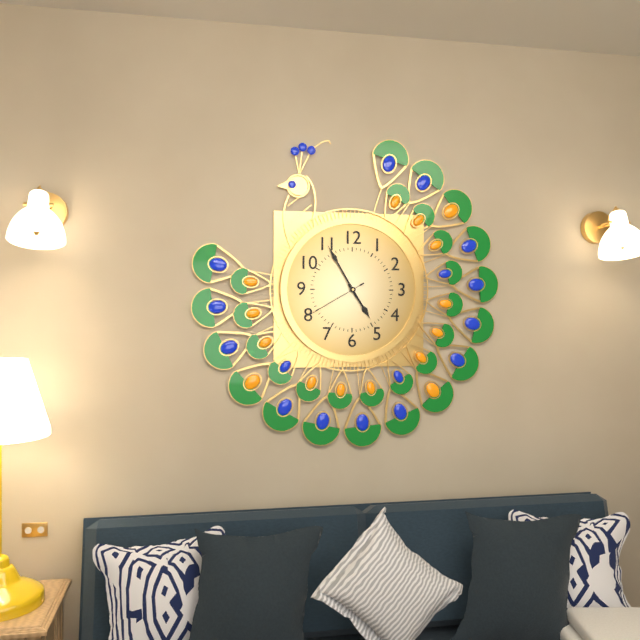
4:55:40
